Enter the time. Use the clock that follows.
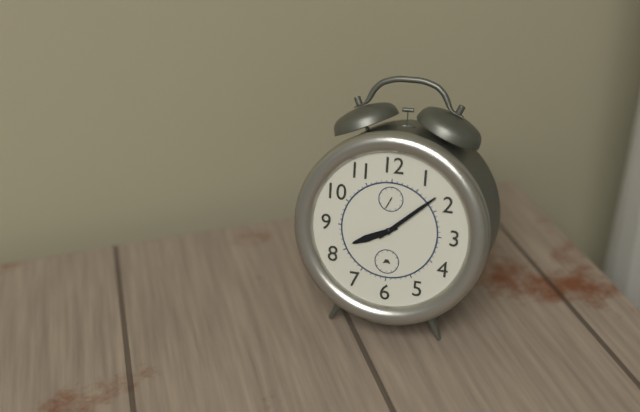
8:08
